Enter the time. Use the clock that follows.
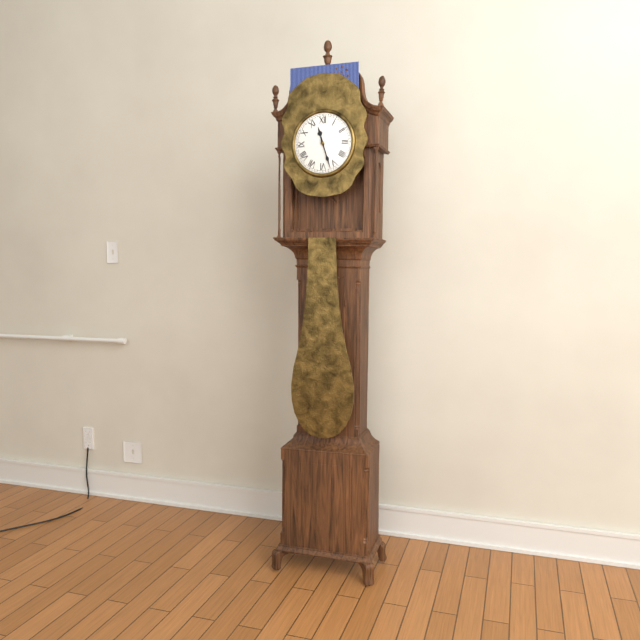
11:27
